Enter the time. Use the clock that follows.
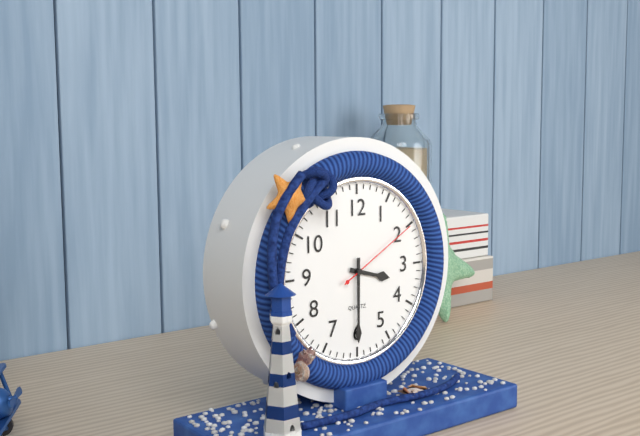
3:30:10
